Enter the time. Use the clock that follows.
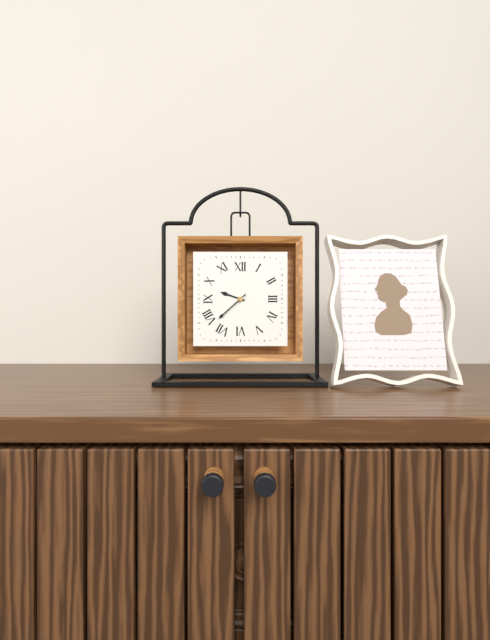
9:38
